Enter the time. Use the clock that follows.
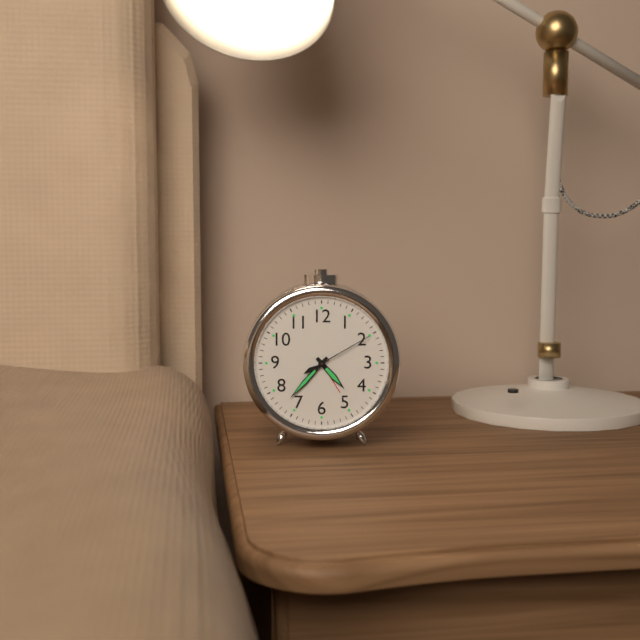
4:37:10
